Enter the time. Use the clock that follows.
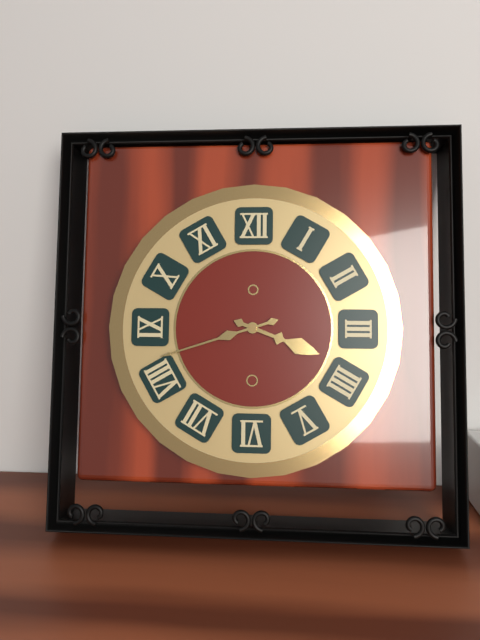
3:42
